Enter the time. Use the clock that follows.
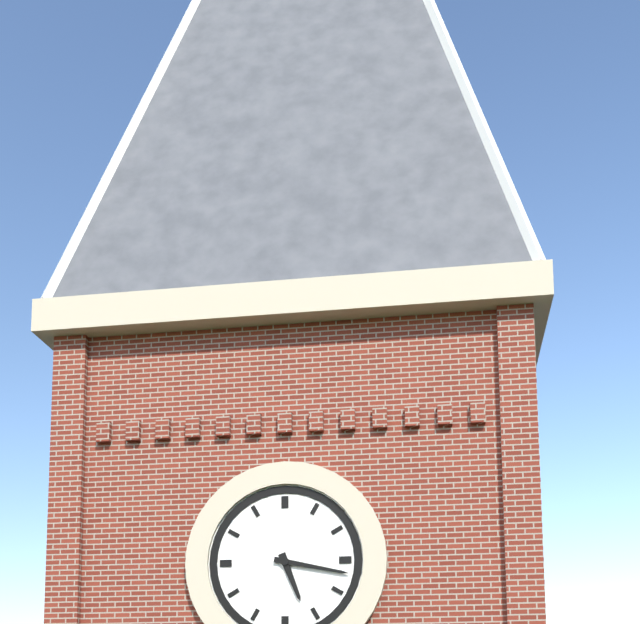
5:17
